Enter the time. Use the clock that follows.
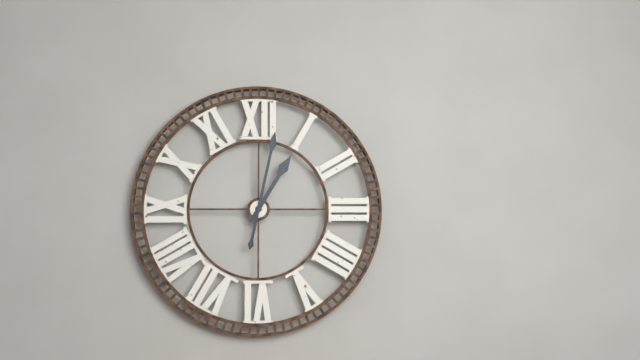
1:02
